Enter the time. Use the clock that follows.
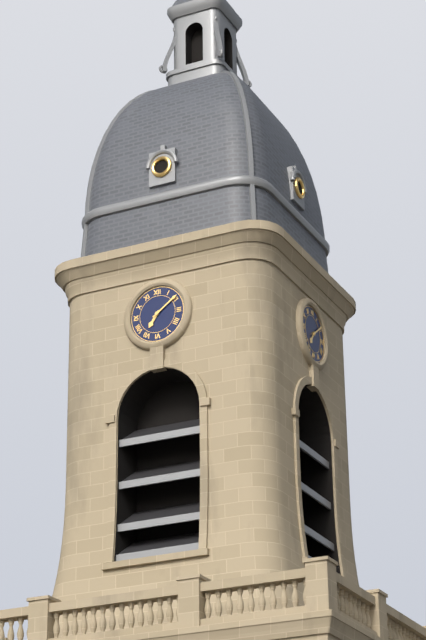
7:09
